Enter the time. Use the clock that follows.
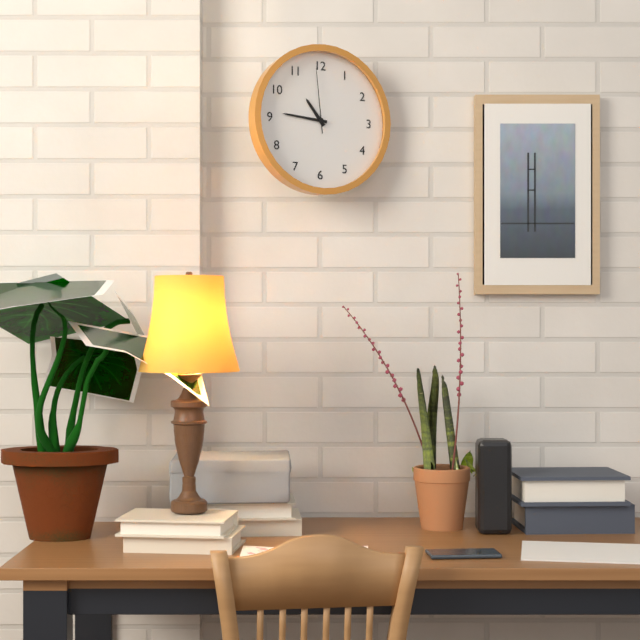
10:46:59
